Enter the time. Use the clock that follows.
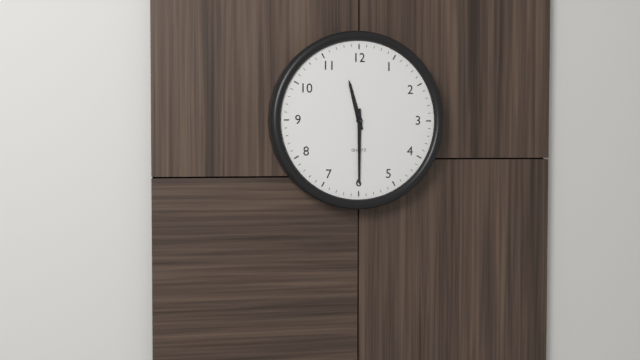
11:30
